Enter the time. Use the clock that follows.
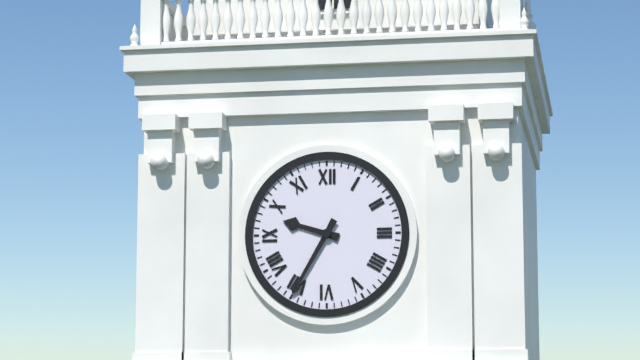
9:35
